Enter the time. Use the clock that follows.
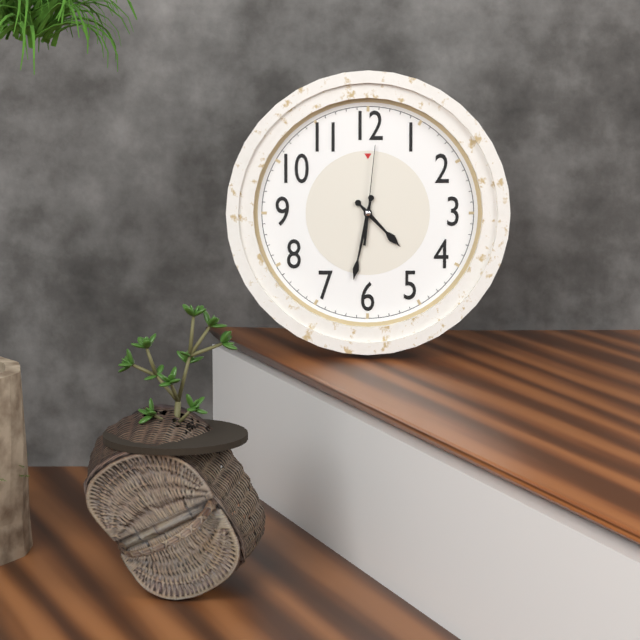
4:32:01
